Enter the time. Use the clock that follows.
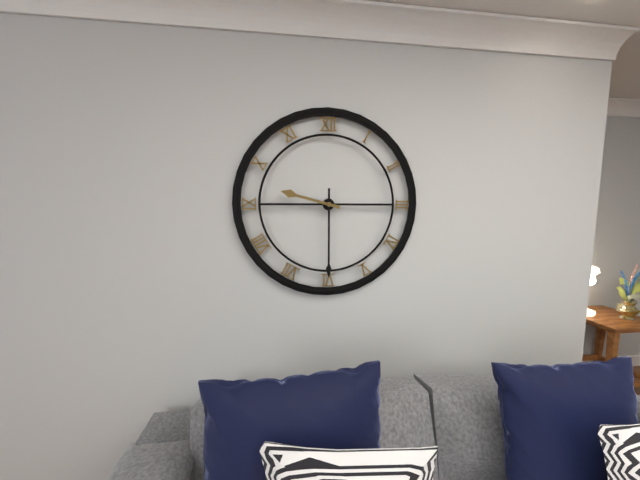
9:30
